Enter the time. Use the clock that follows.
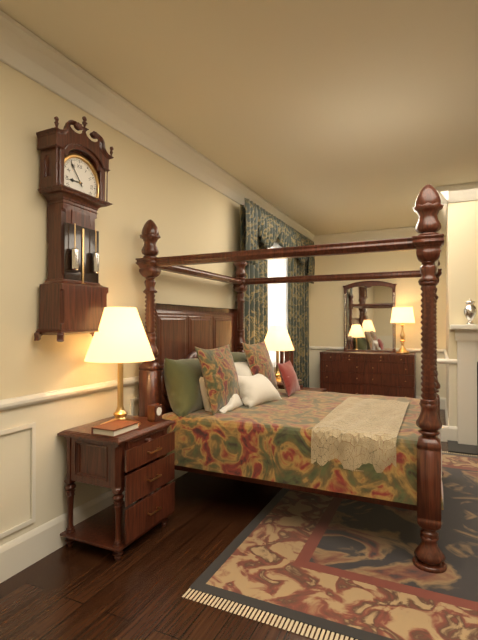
8:54
